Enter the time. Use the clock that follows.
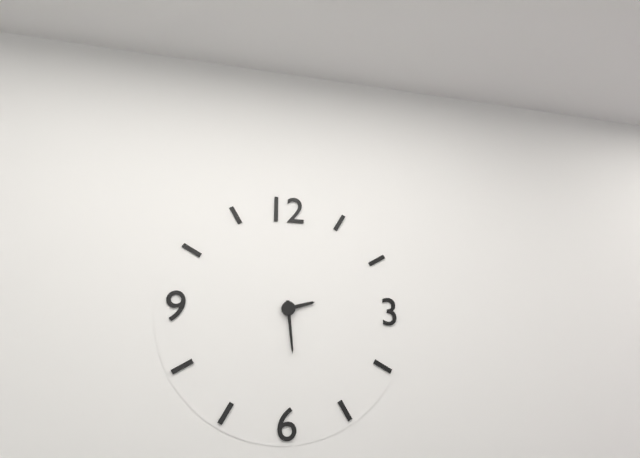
2:29
